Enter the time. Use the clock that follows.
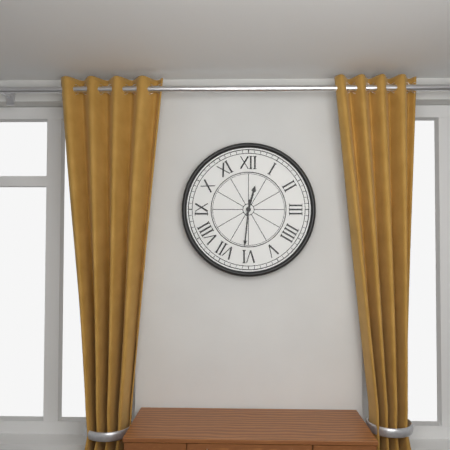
12:31
